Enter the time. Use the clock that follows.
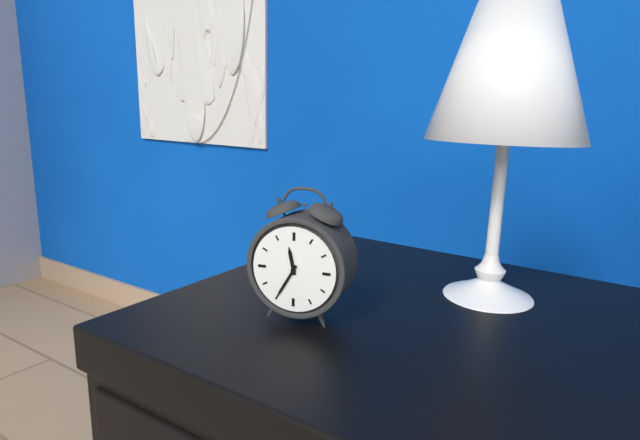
11:35
